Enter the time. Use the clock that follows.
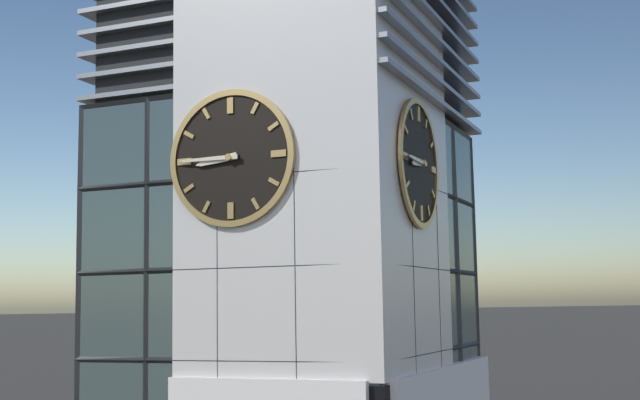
8:45
